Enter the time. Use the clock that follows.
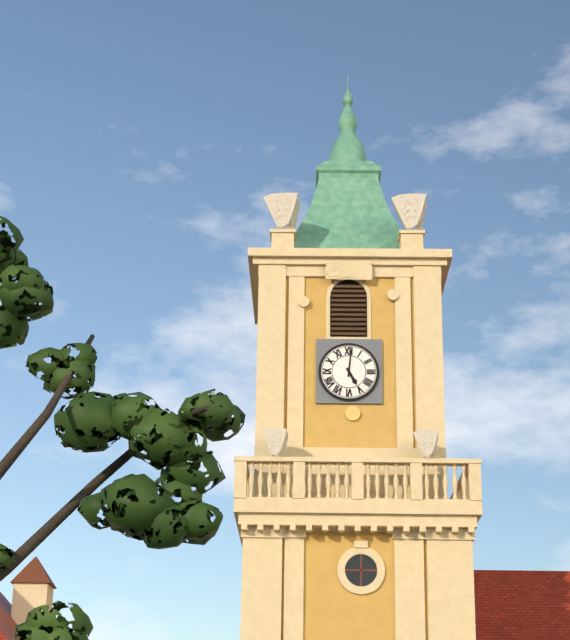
5:01
